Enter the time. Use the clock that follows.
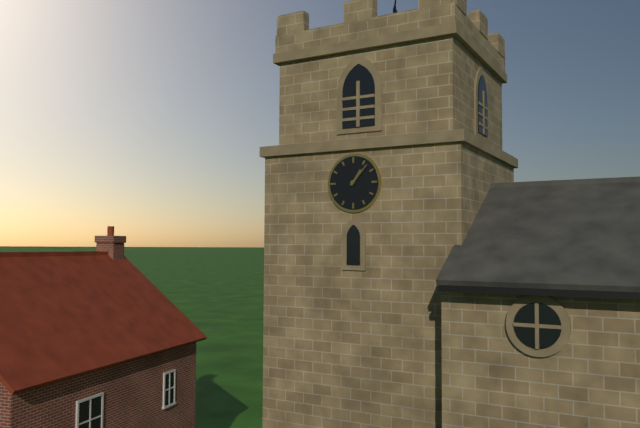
1:07
